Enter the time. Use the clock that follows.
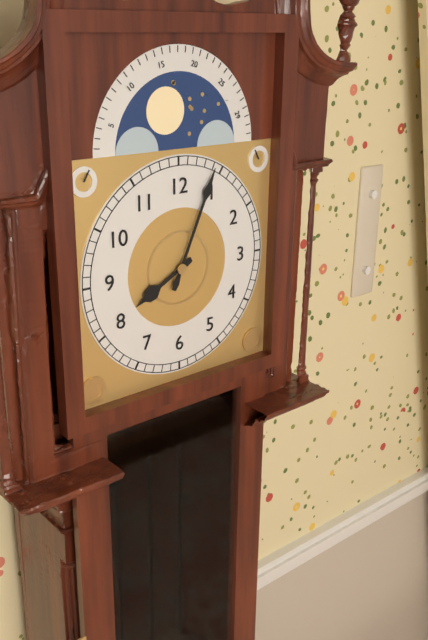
8:04
